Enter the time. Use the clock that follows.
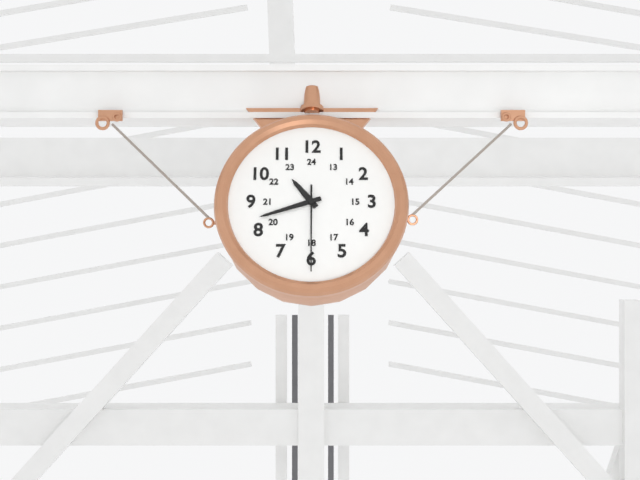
10:42:30
